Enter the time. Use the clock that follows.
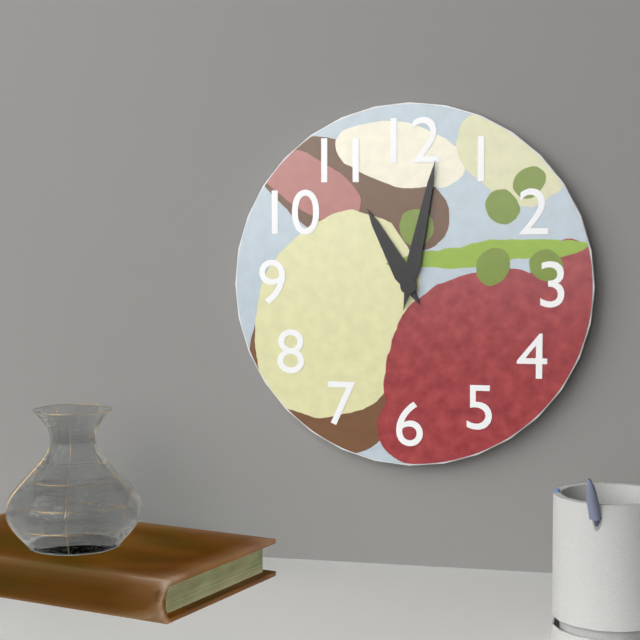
11:02
